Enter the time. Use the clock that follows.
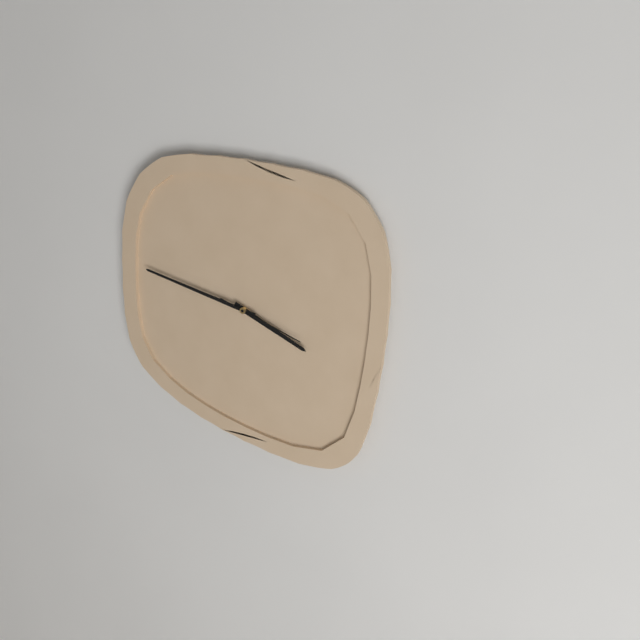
3:47:18
